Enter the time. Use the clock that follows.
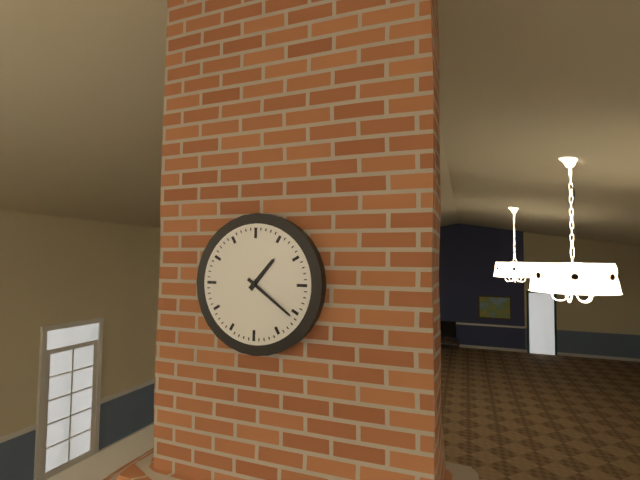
1:21
